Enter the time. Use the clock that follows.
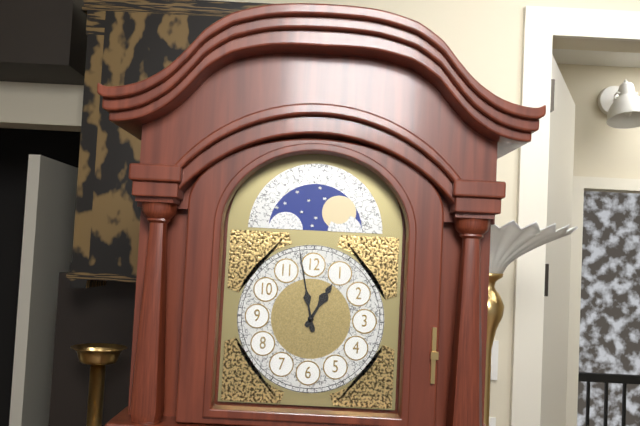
12:58
